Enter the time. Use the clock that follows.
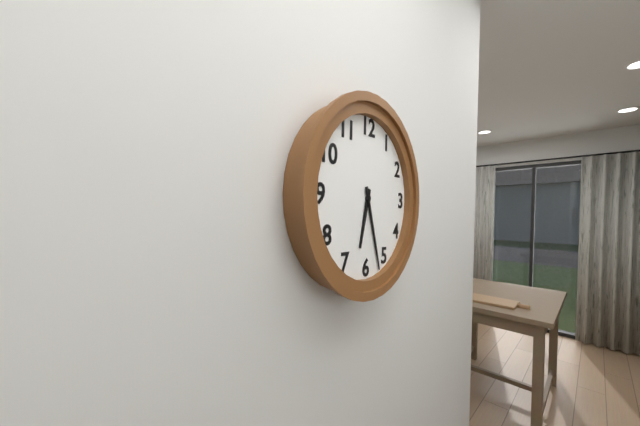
6:27
